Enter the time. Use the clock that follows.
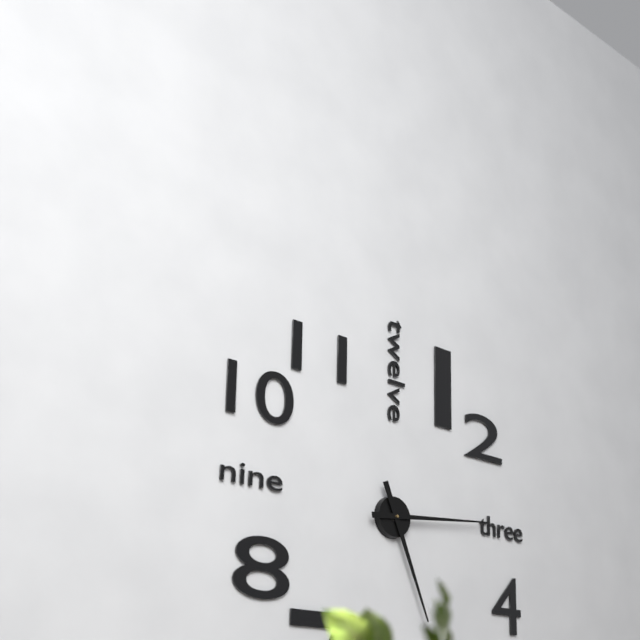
5:14
